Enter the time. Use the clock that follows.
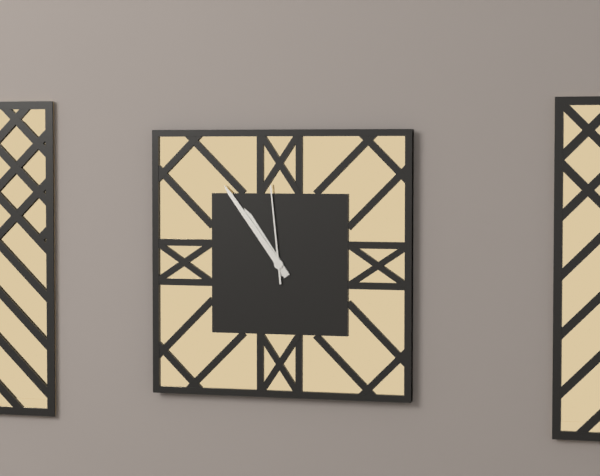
10:54:59
